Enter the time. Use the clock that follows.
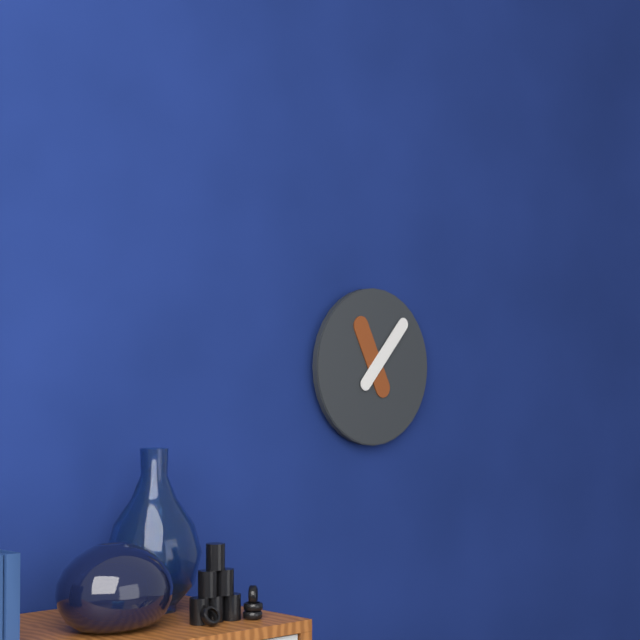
11:07
